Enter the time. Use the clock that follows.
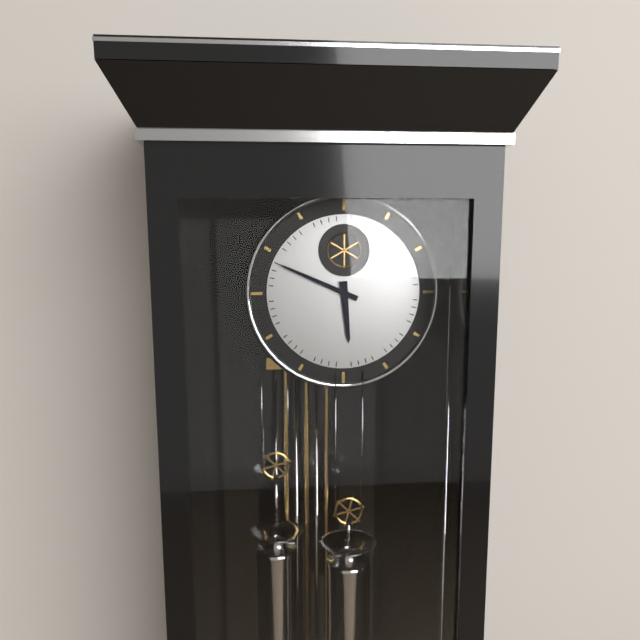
5:49
